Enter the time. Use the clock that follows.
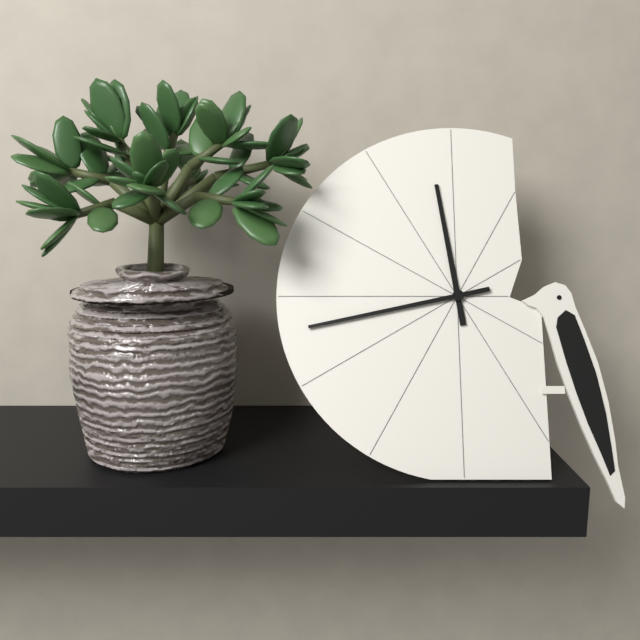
11:43
